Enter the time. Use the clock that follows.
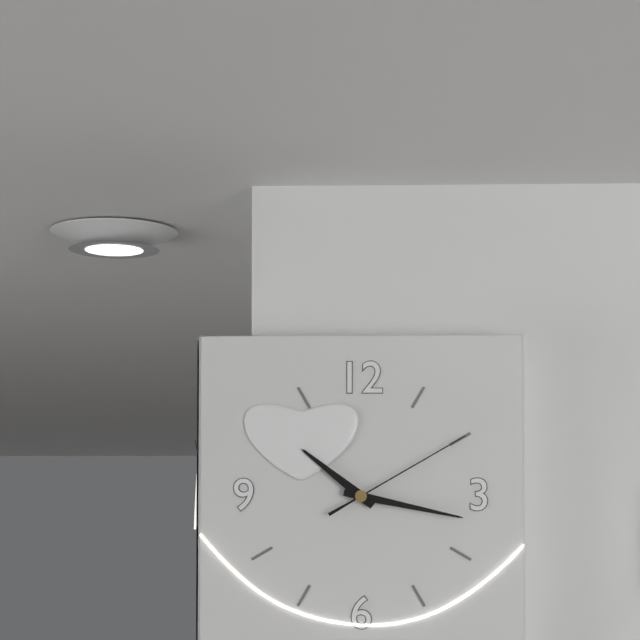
10:17:10
